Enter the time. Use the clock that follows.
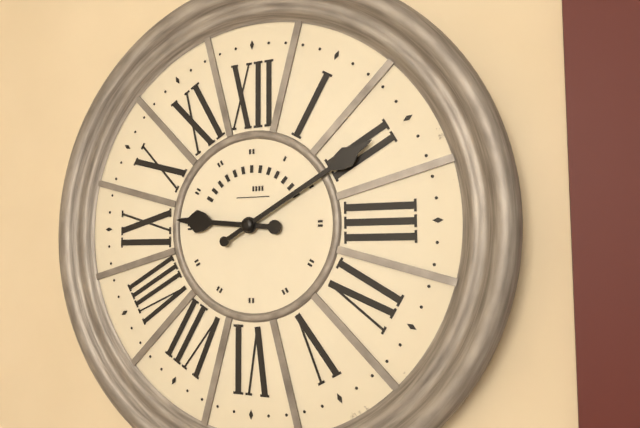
9:10
